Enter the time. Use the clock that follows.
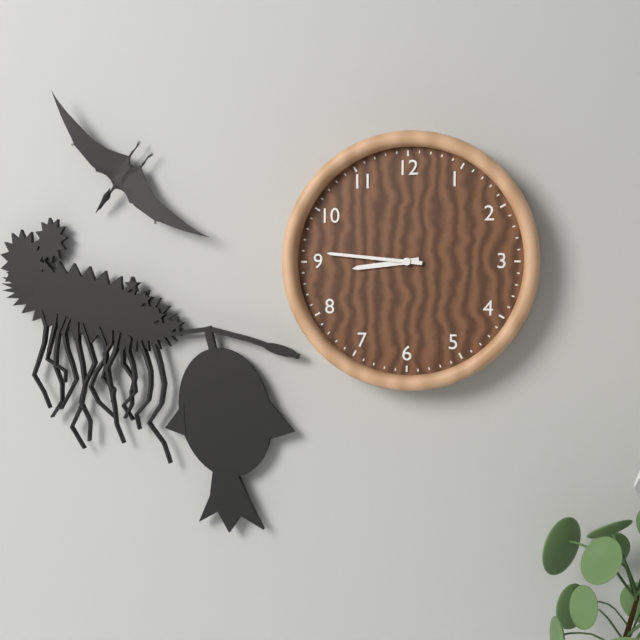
8:46
